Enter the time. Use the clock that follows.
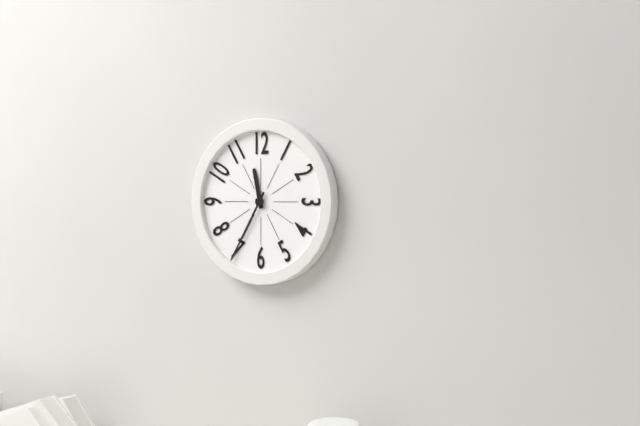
11:35
